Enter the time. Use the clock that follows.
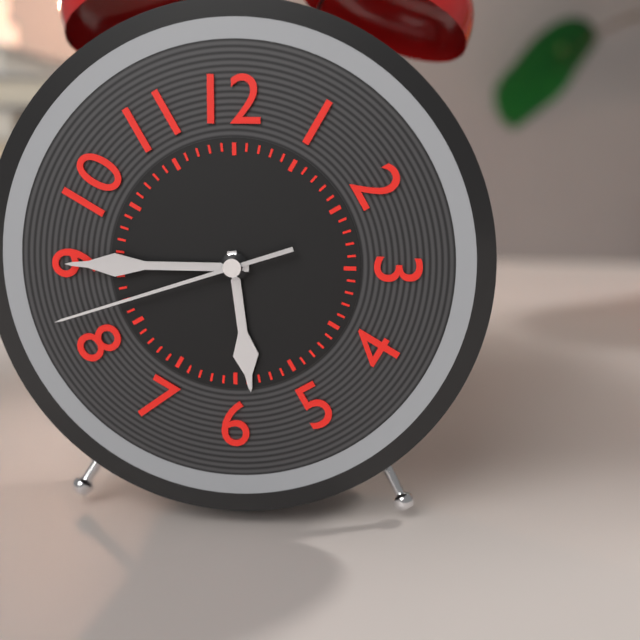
5:45:42
